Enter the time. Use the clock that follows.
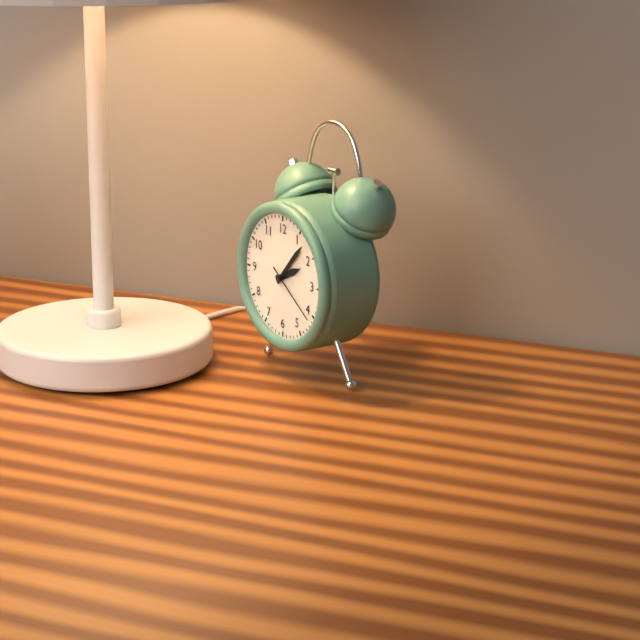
2:07:21
